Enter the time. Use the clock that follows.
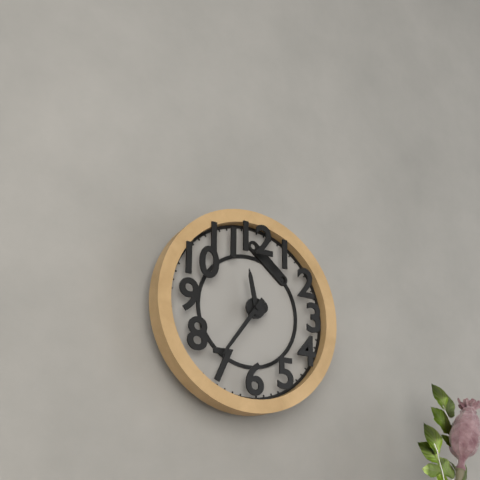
11:36
